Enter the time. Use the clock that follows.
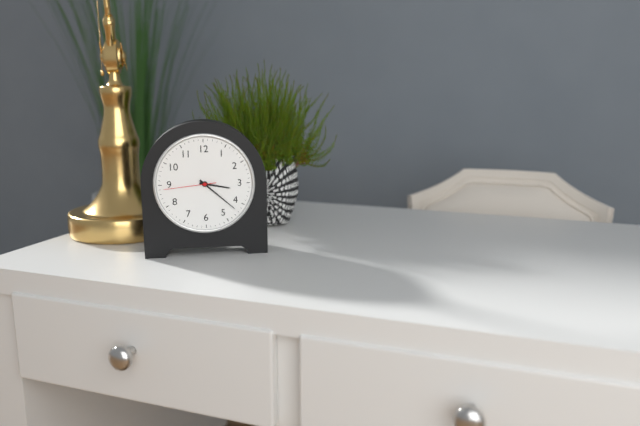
3:22:44
